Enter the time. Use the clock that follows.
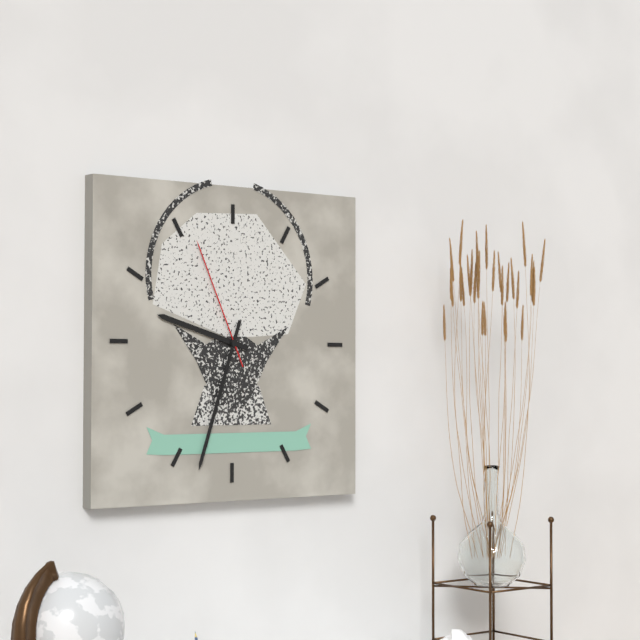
9:33:56
